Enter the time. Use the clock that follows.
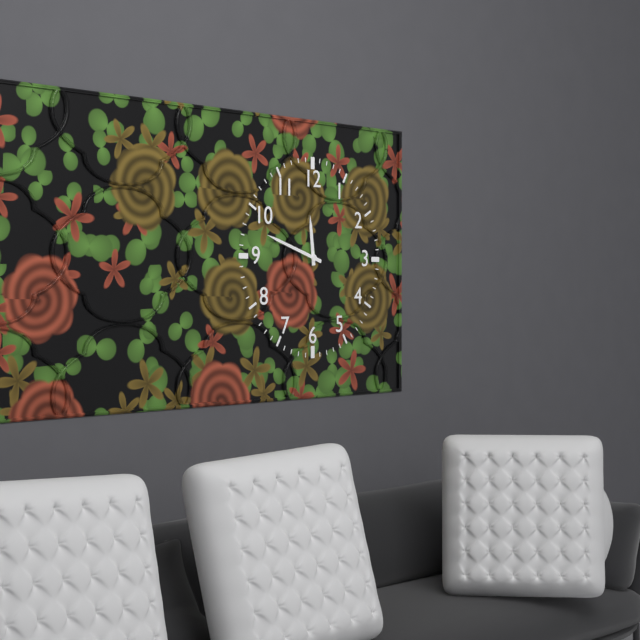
11:48
